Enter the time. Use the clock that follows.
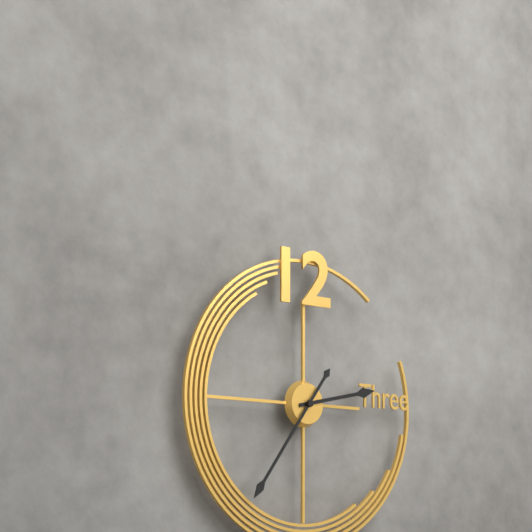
2:36
